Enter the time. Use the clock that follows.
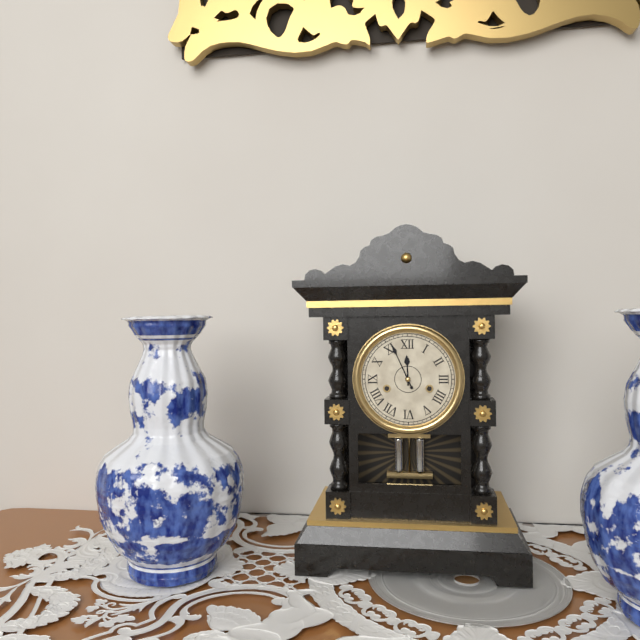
11:56
